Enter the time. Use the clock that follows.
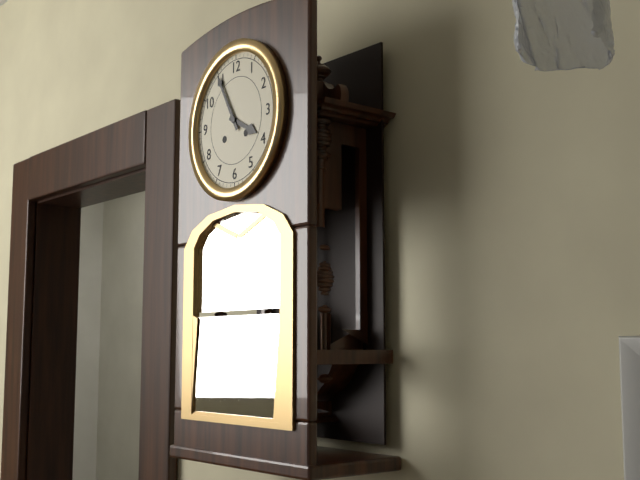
3:55
